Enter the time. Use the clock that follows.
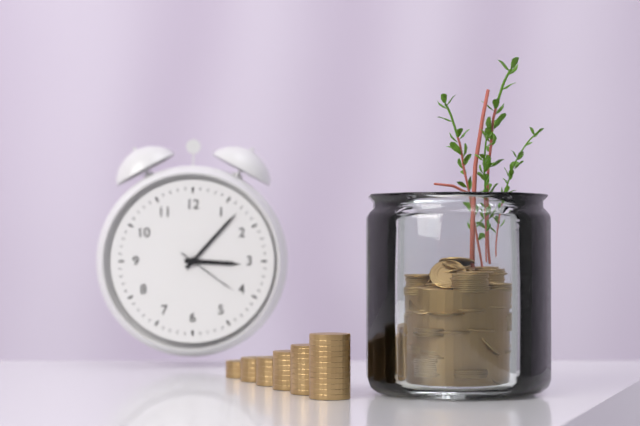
3:07:21
